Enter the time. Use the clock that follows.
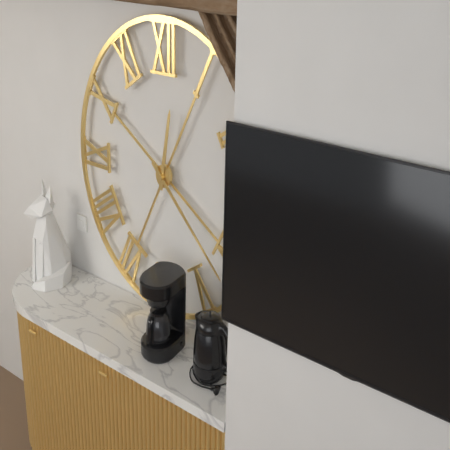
12:22
